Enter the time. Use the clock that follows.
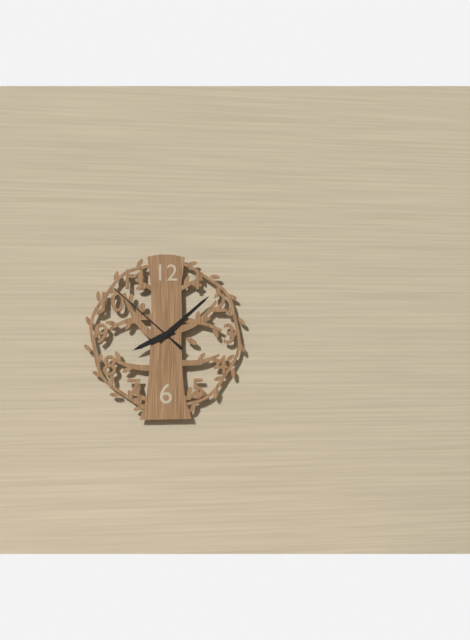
8:08:52
